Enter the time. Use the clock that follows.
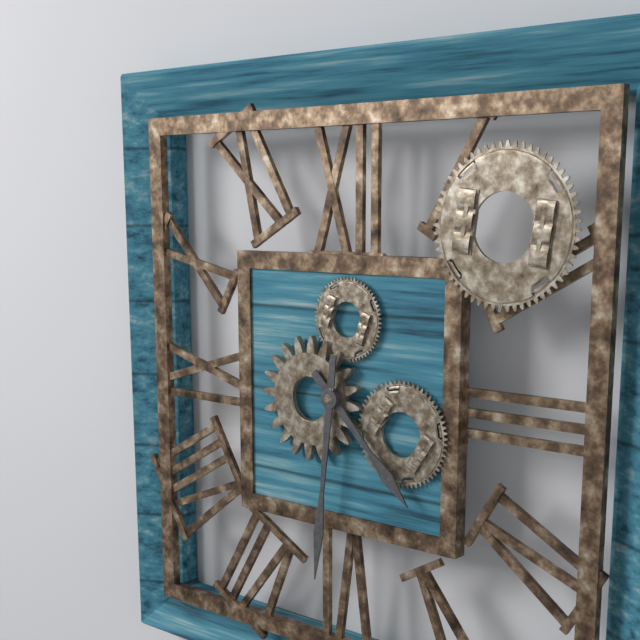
4:31
